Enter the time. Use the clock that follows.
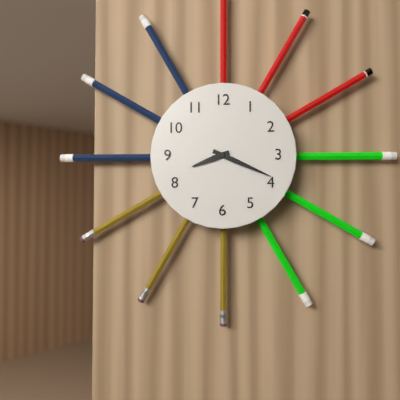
8:19
